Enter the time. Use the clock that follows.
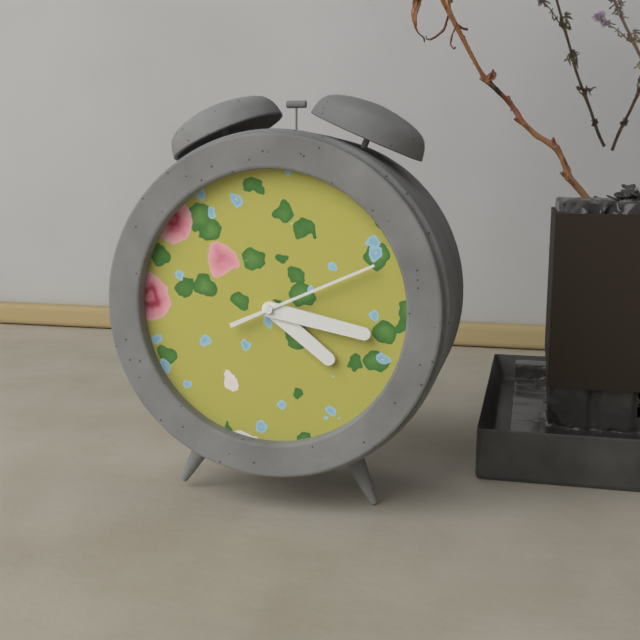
4:17:11
